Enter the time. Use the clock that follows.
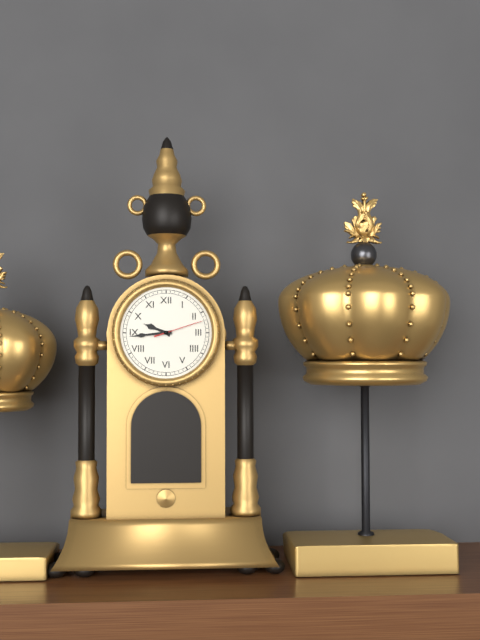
9:44
